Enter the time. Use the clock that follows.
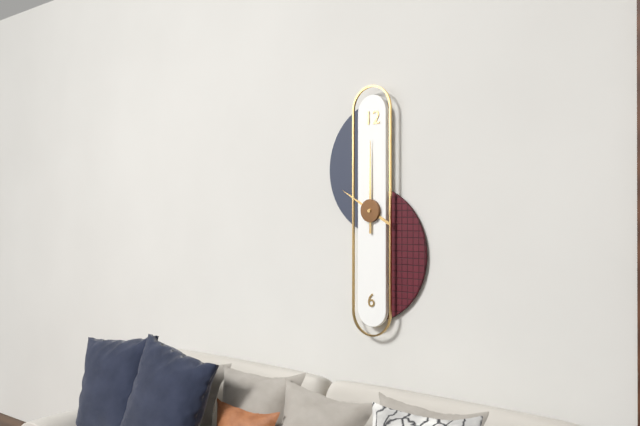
10:00
